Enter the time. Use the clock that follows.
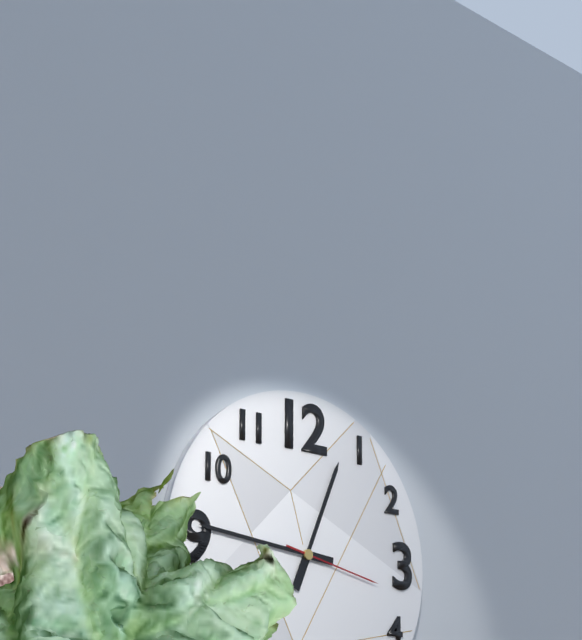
12:46:17
